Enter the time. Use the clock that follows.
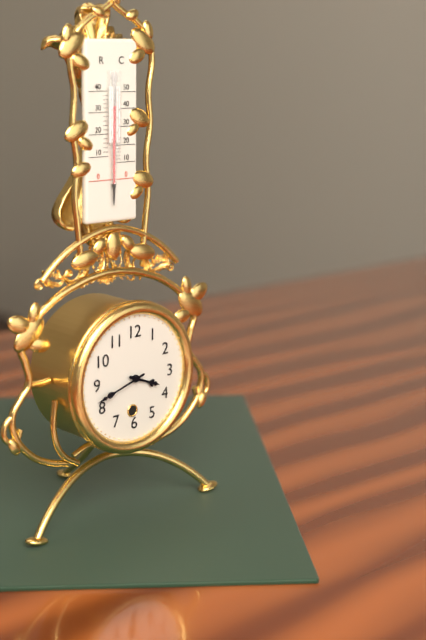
3:42
